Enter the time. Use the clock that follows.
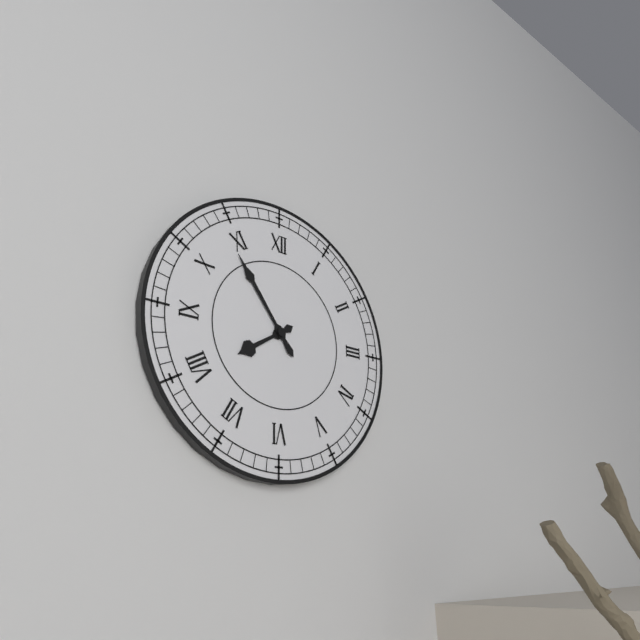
7:54
